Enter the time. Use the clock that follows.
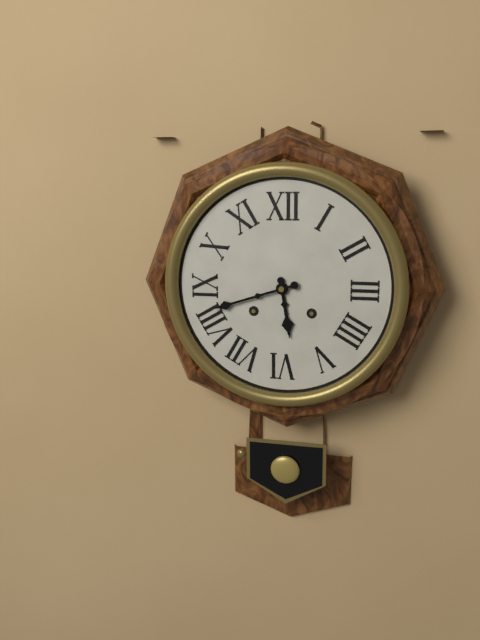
5:42
